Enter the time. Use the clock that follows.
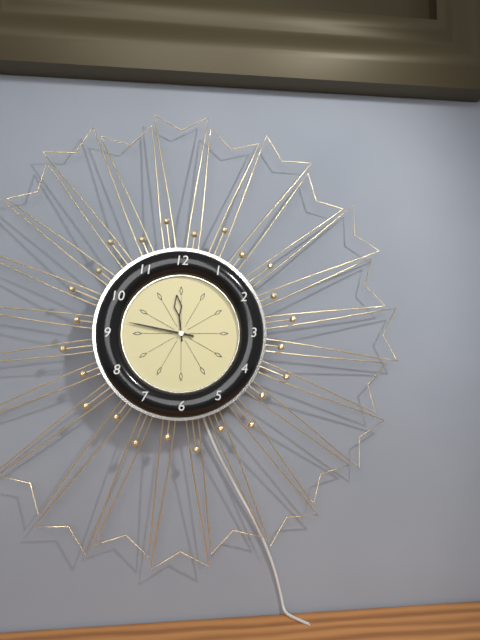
11:47
